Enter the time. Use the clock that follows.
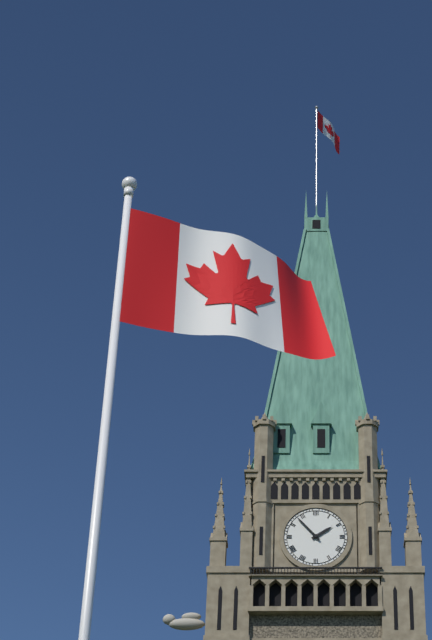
1:53
